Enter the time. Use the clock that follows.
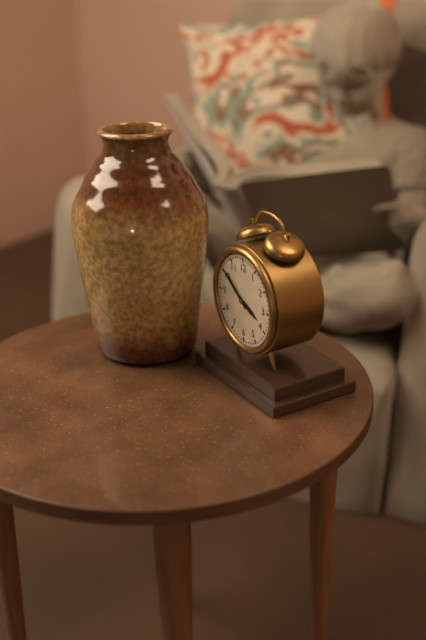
3:51
